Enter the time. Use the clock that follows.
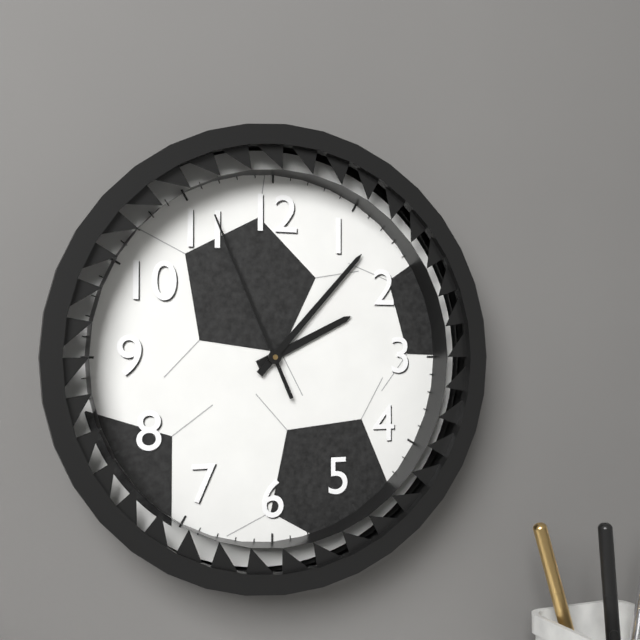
2:07:56
